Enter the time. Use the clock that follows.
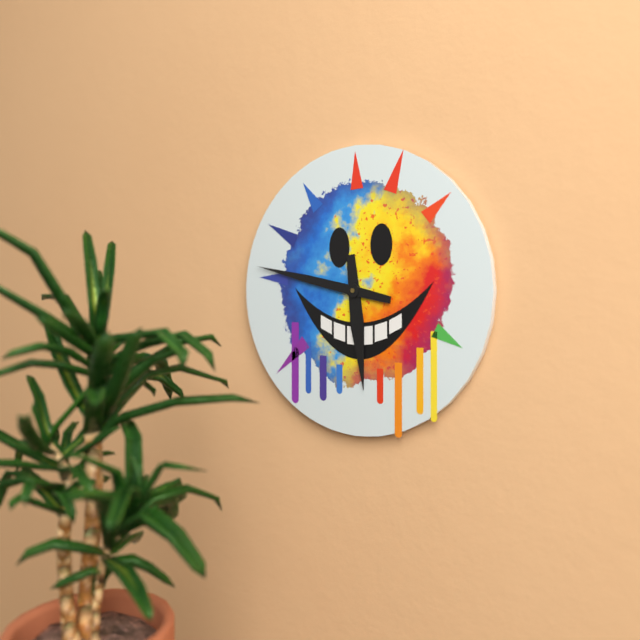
5:47
